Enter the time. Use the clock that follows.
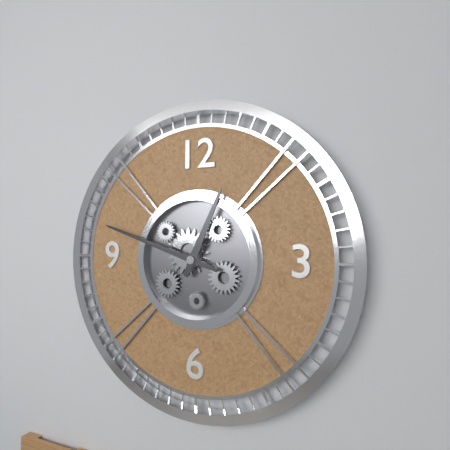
12:48
